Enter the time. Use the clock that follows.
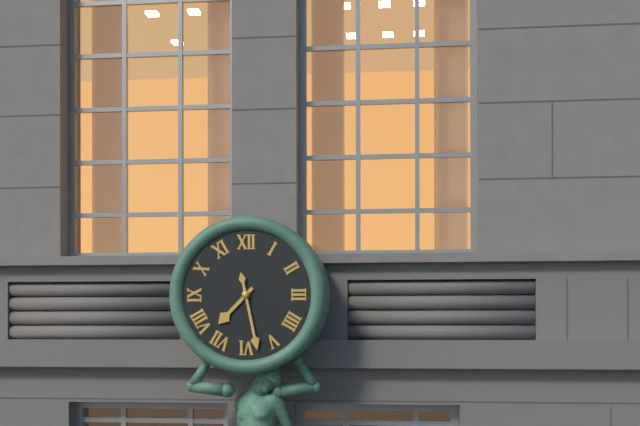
7:28
